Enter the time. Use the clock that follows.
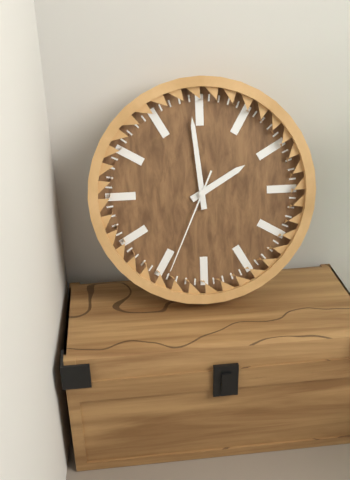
1:59:34
